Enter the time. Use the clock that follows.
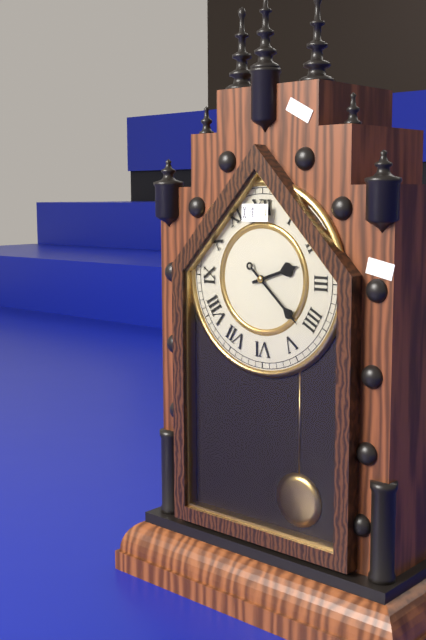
2:22
